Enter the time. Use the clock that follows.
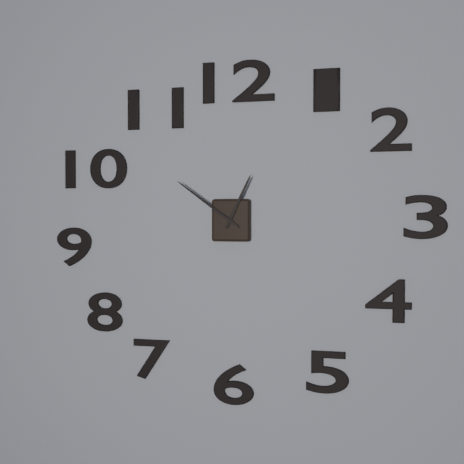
12:51
